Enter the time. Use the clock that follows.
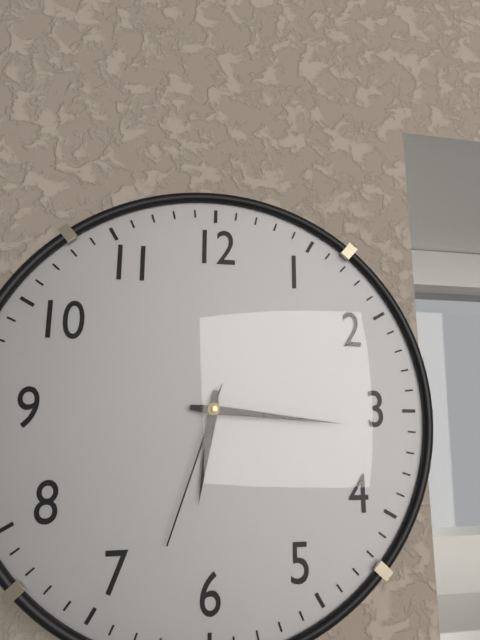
6:16:33
